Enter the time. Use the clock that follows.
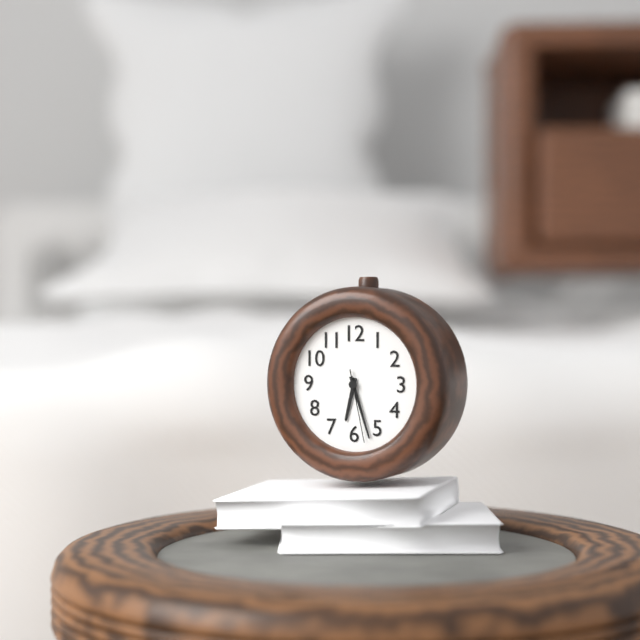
6:27:28
